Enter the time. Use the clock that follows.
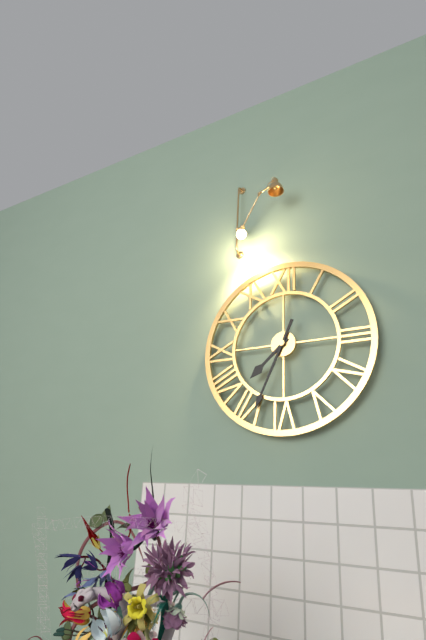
7:34
